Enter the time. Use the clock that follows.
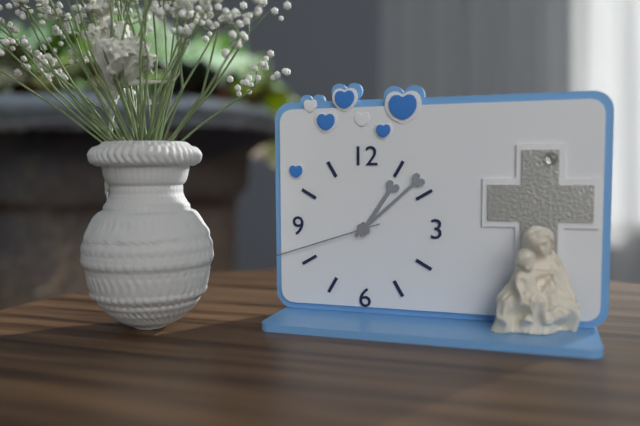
1:08:42
